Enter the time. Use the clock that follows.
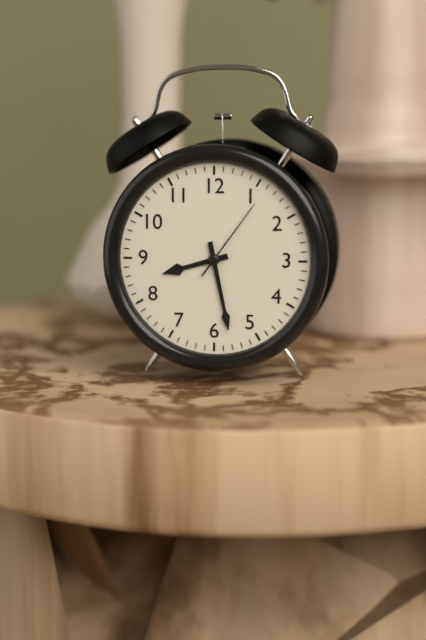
8:28:06
